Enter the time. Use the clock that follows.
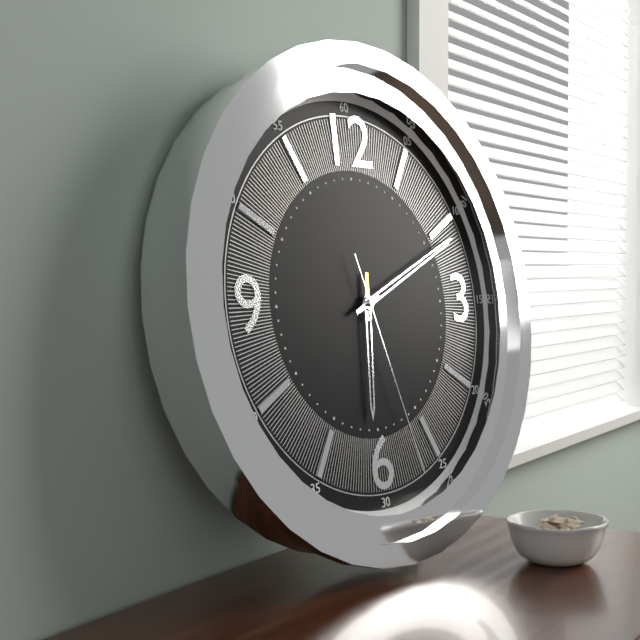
6:11:27
